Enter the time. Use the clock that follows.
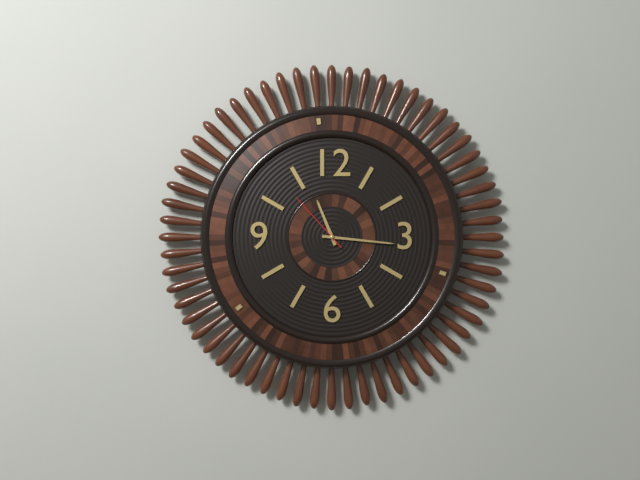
11:16:53
